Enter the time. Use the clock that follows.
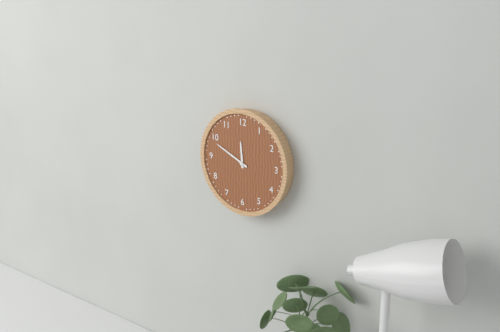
11:49
